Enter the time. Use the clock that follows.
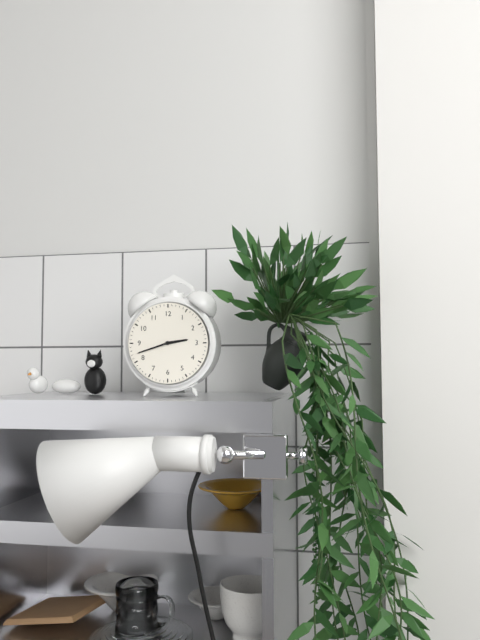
2:42
